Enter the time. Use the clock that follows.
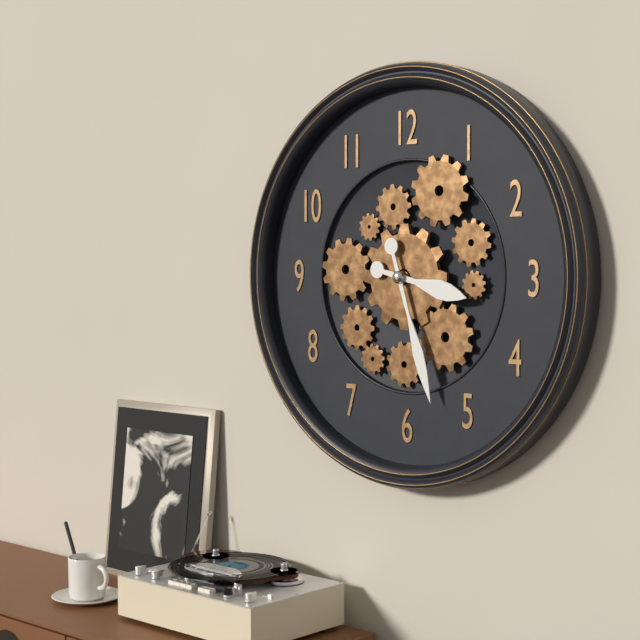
3:27
